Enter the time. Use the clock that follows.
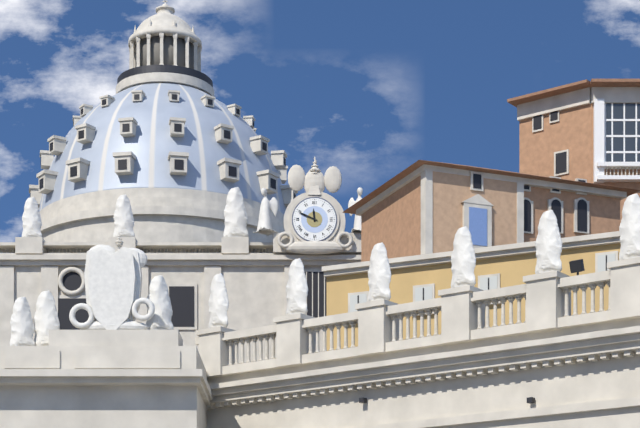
11:49
